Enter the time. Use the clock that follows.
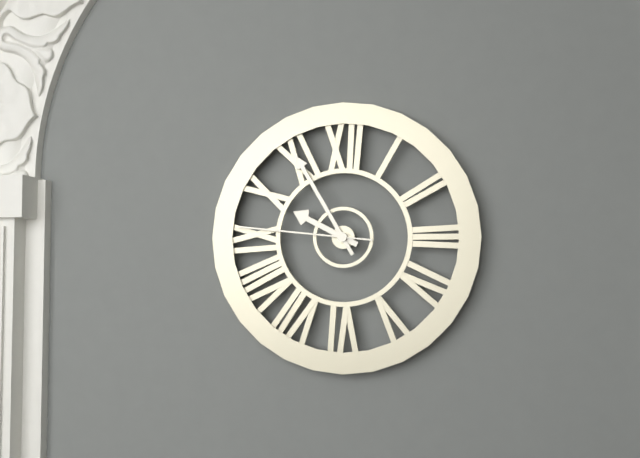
9:55:46
